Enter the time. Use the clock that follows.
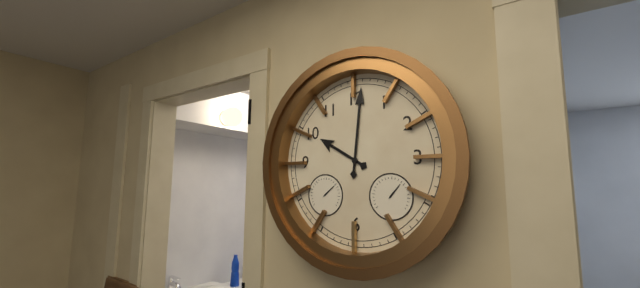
10:01
